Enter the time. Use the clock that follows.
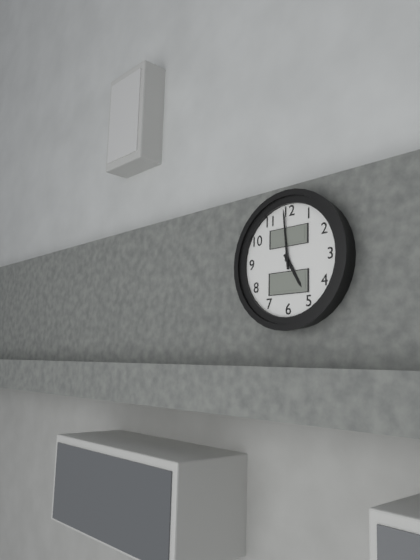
4:59
